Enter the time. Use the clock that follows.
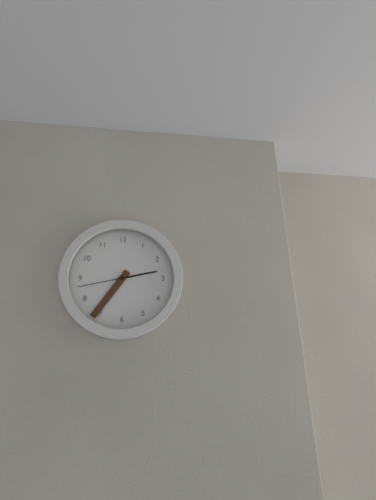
2:36:43
